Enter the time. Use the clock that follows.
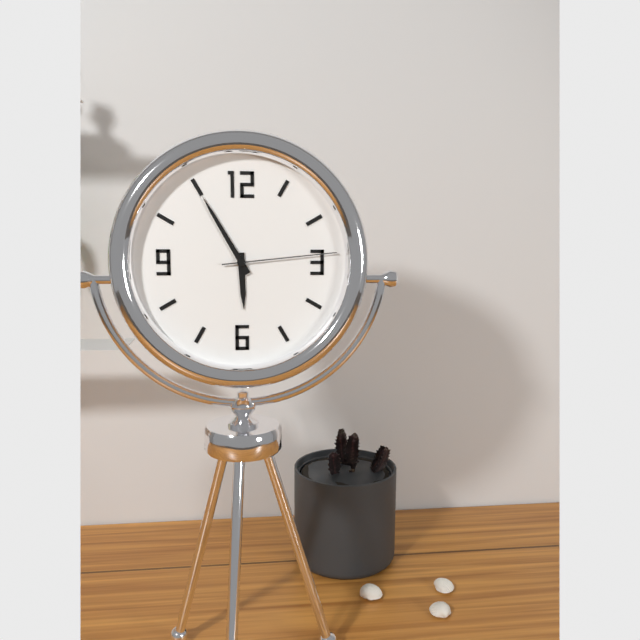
5:55:14
